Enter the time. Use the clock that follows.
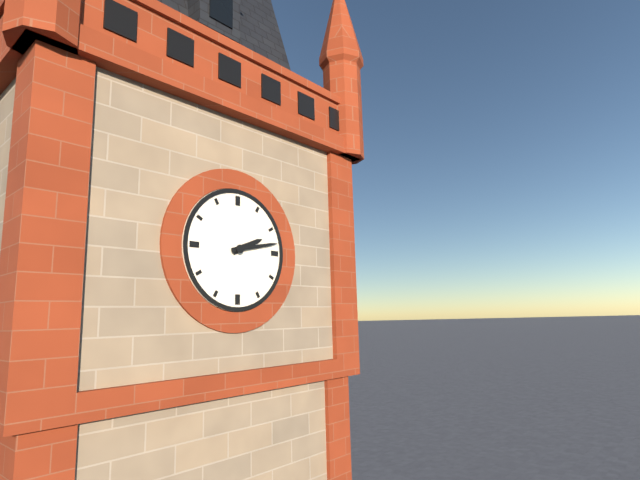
2:13
